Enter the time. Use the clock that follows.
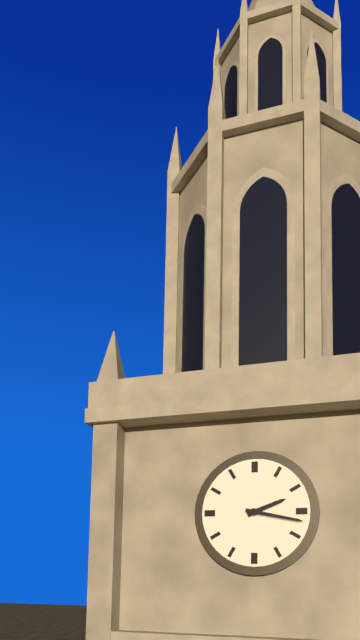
2:17
